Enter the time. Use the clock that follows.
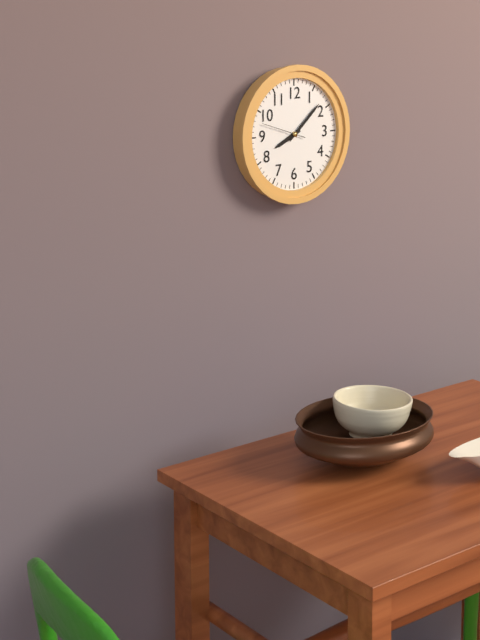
8:08
